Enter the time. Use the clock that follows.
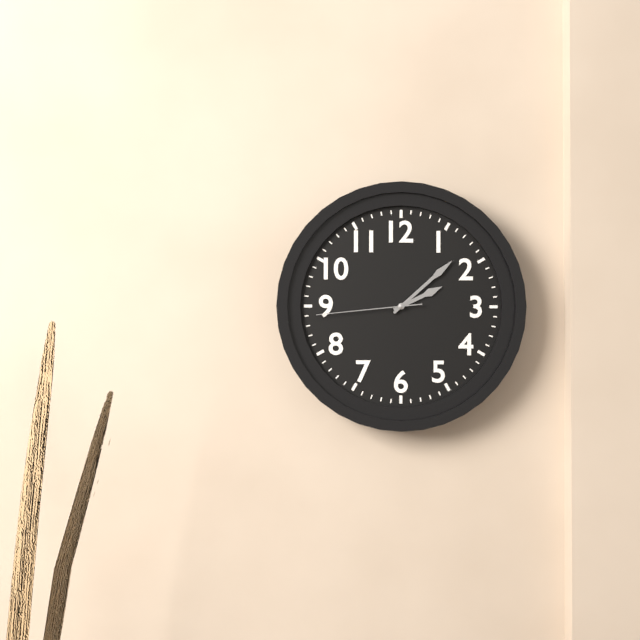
2:08:44
